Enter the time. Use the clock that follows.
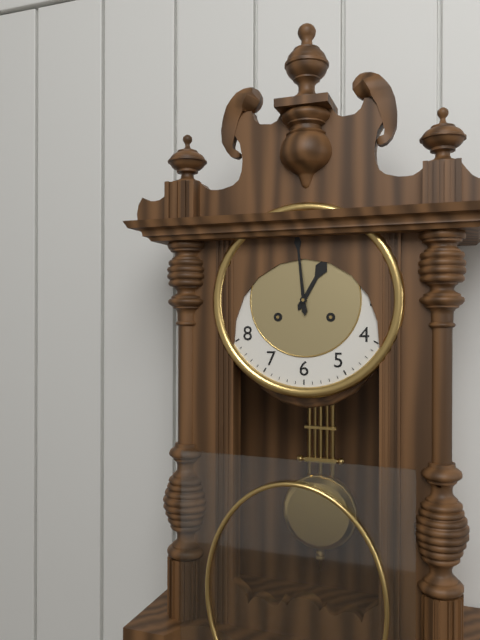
12:59
